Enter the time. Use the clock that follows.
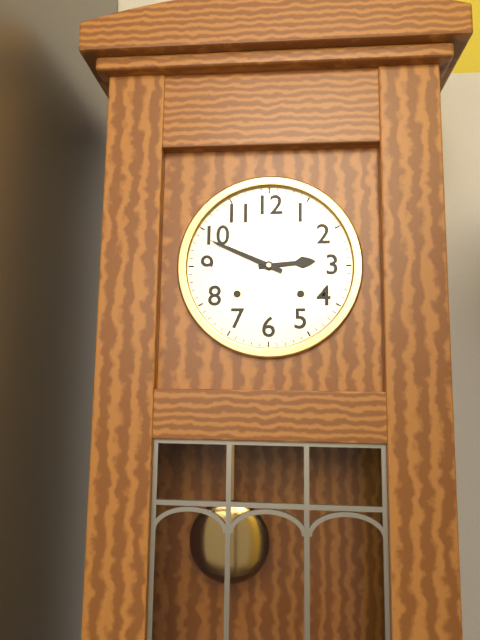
2:49
